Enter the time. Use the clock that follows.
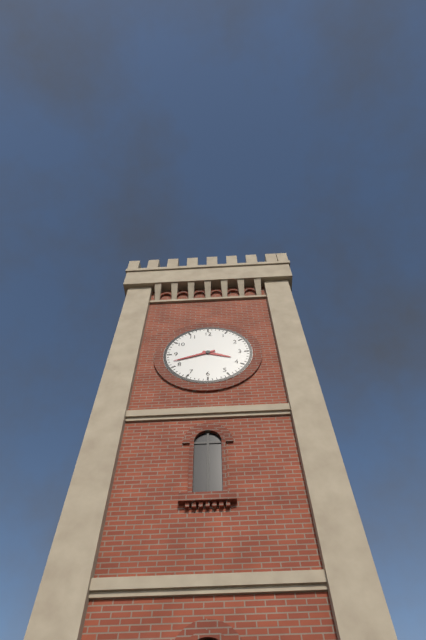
3:42
